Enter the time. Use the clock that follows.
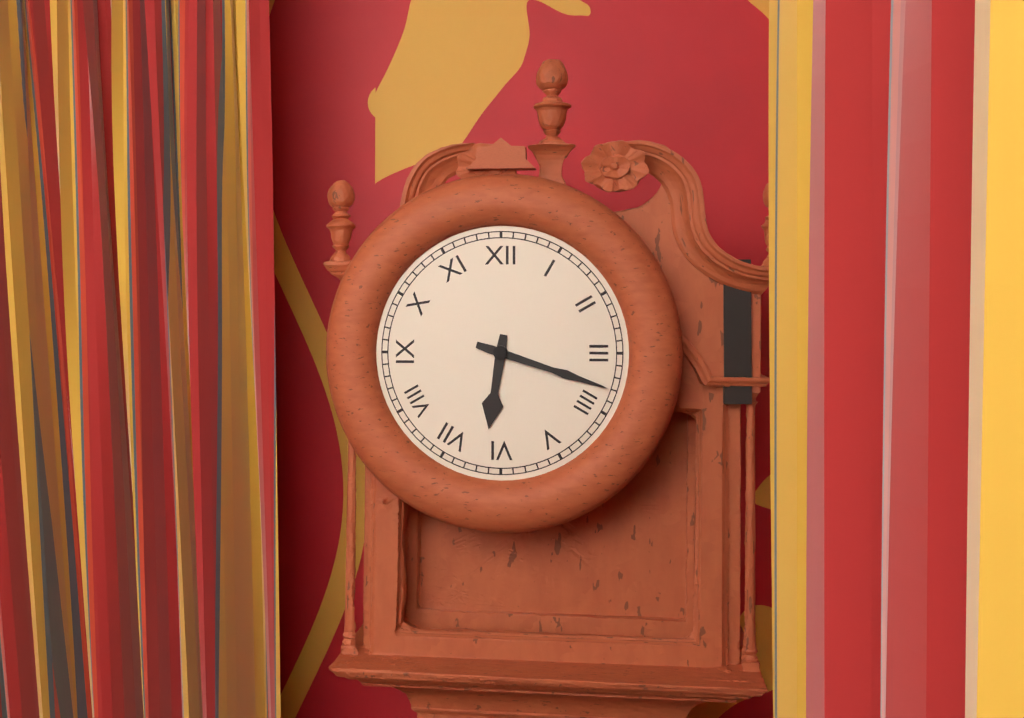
6:18
